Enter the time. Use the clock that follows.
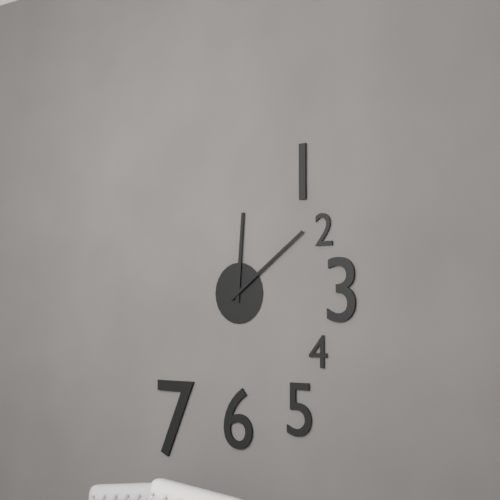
12:09
